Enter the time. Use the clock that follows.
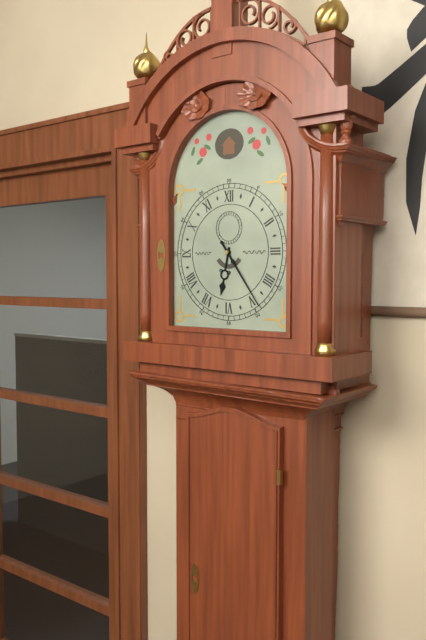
6:24
